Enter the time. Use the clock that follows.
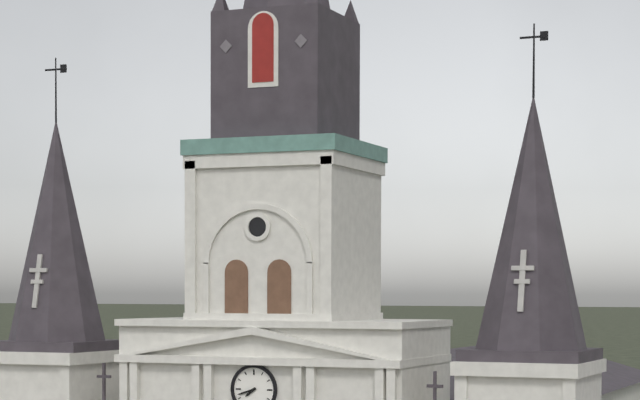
7:42
